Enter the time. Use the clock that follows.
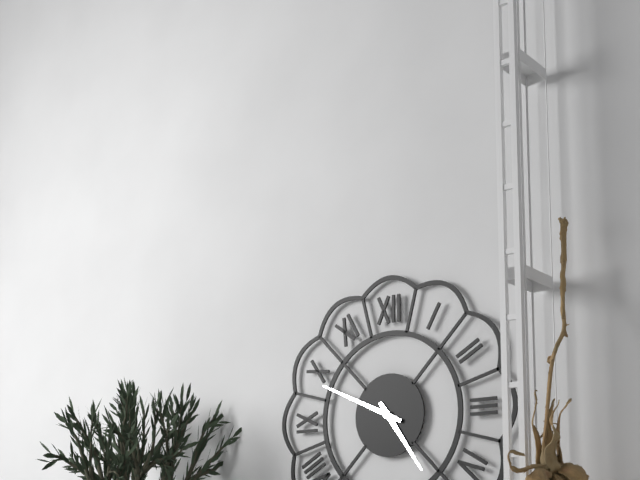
4:49
